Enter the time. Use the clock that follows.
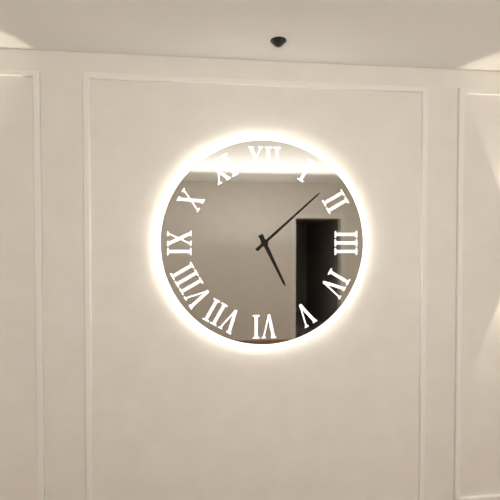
5:08
